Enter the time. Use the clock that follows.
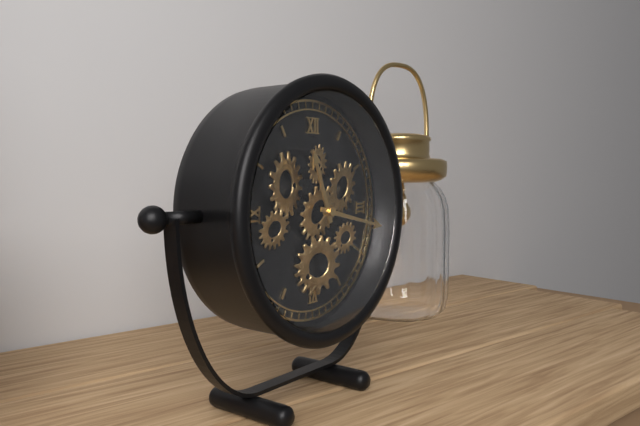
11:17
